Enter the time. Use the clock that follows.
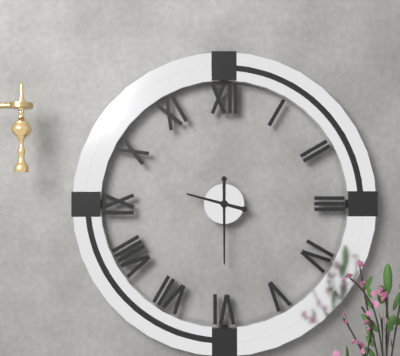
9:30
